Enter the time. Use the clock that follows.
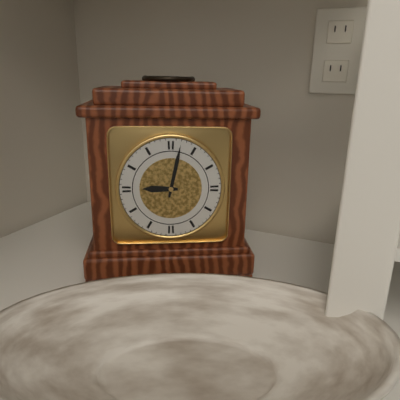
9:02
